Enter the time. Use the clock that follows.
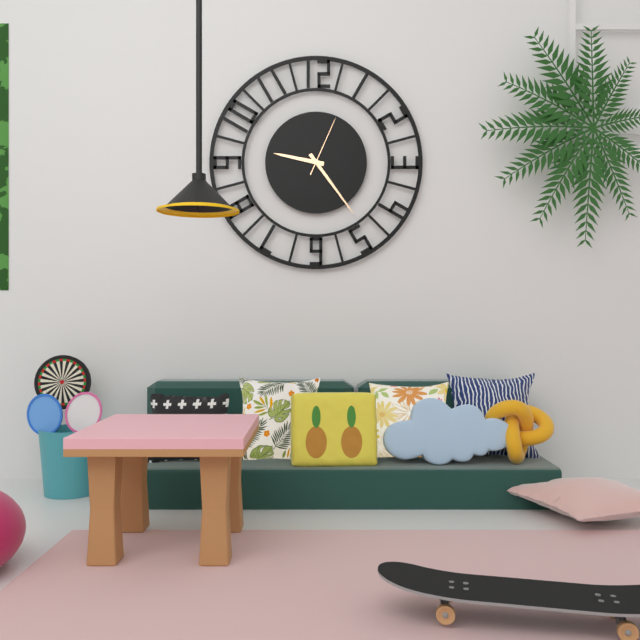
9:24:04
